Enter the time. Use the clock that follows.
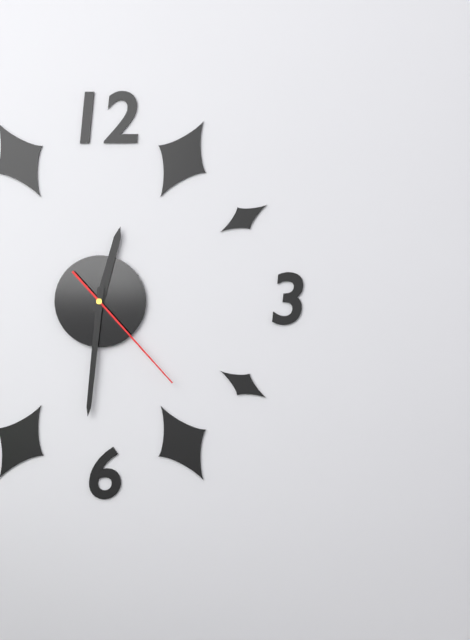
12:31:23
